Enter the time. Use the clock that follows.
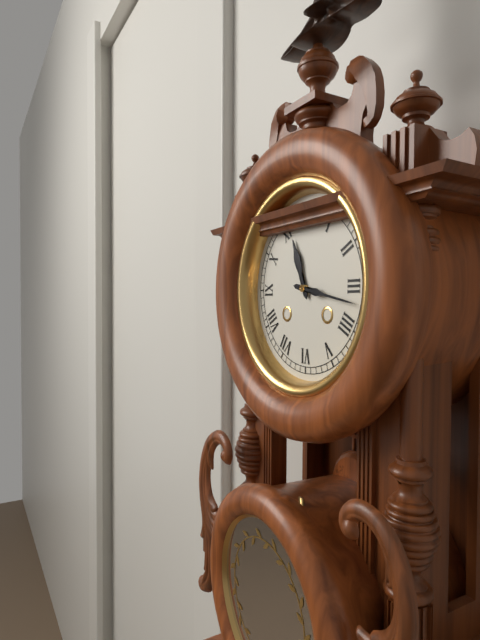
11:17
